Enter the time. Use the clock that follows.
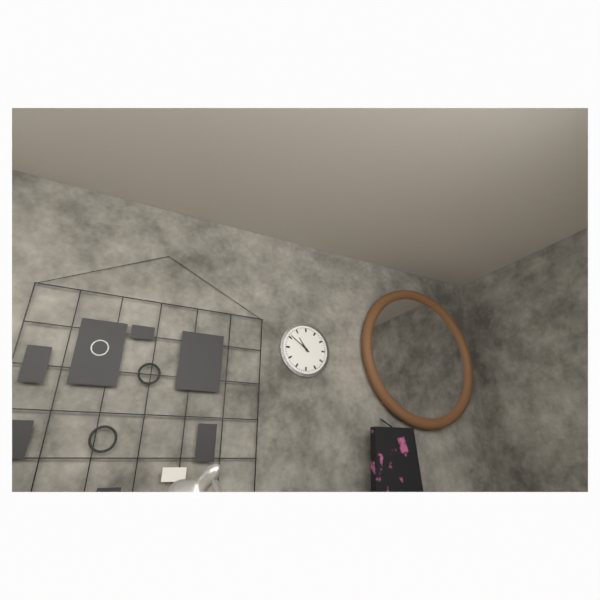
10:51
